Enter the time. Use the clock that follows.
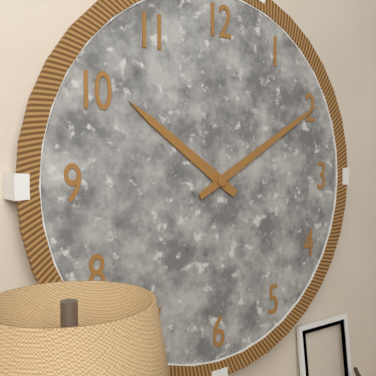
10:10
